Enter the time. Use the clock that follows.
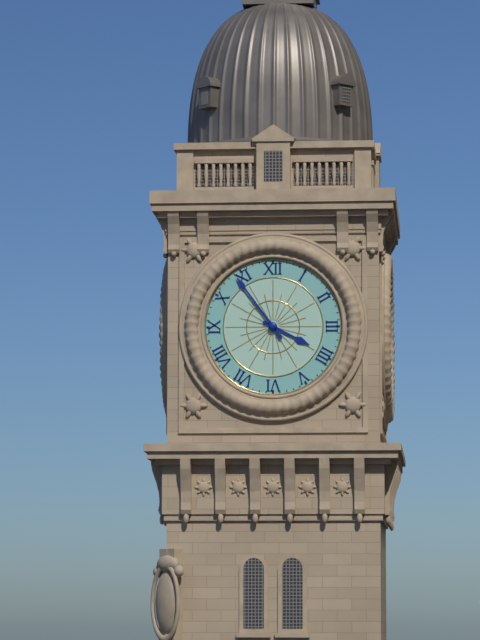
3:54
